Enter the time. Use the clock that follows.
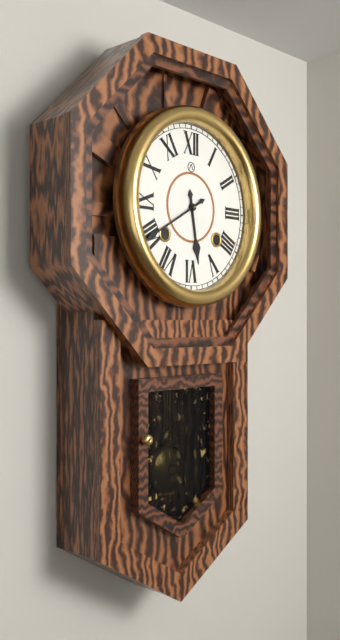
5:40
